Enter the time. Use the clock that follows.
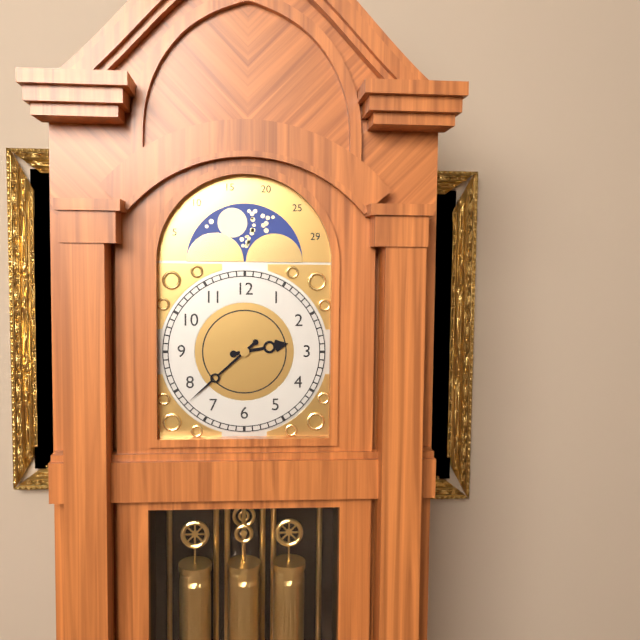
2:38
